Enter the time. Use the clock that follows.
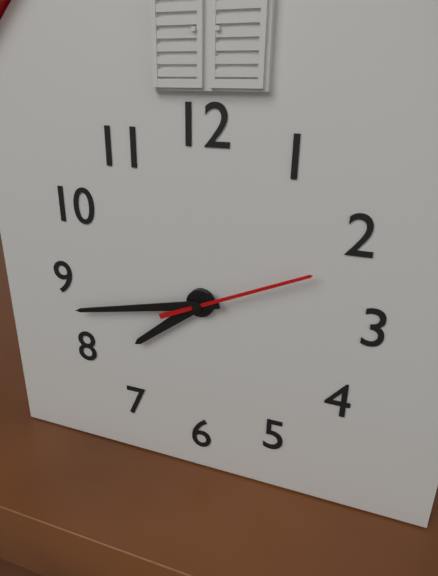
7:43:11
